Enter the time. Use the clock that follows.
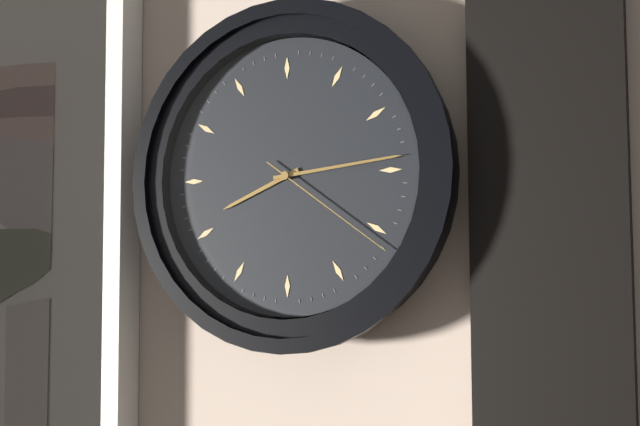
8:14:21
